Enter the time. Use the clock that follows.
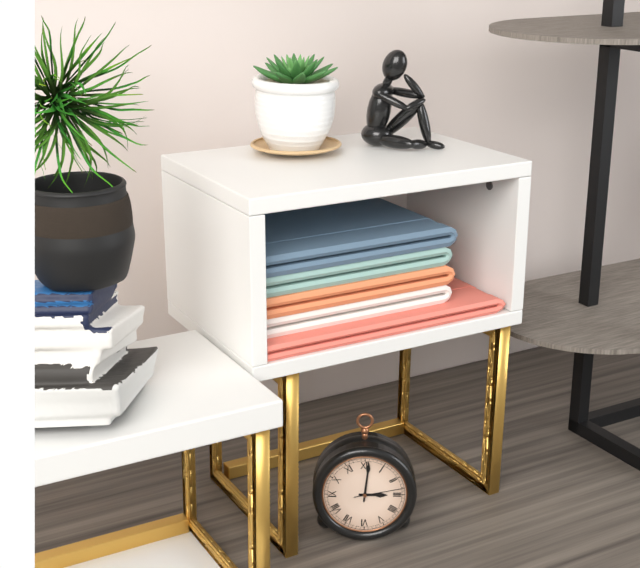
3:01:13
